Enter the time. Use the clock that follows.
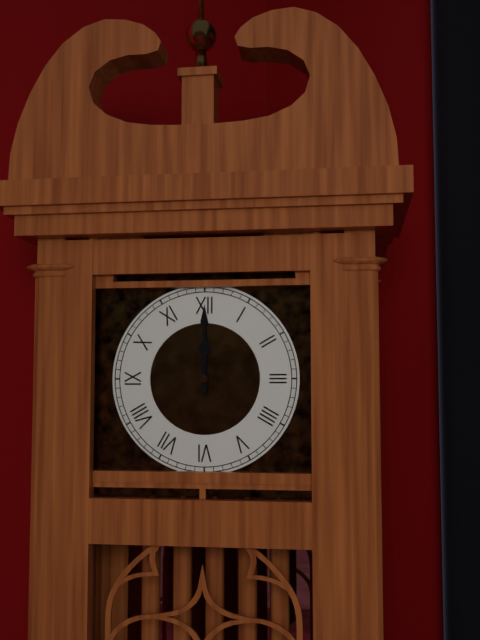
12:00
